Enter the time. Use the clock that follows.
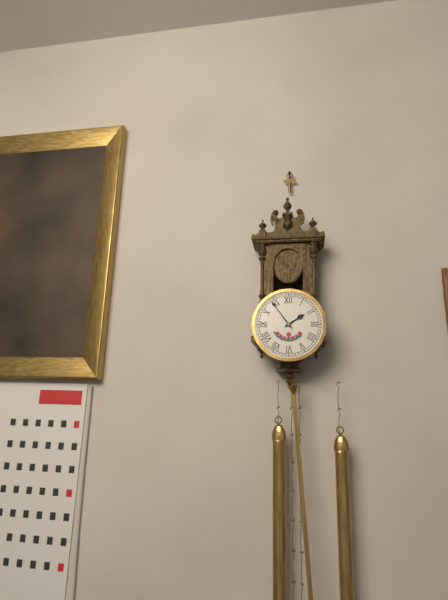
1:54
